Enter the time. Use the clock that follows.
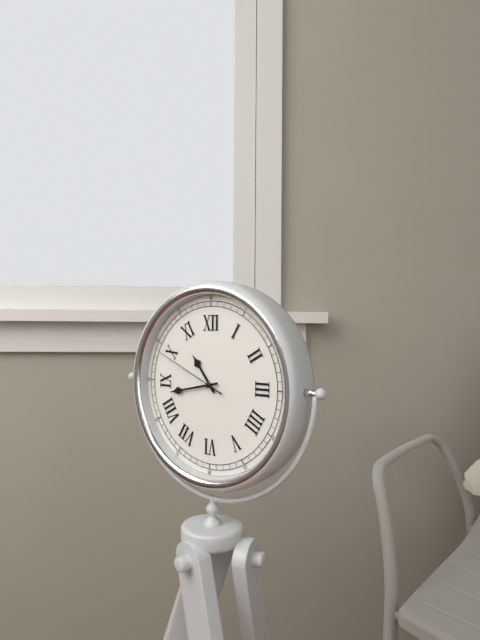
10:43:49
